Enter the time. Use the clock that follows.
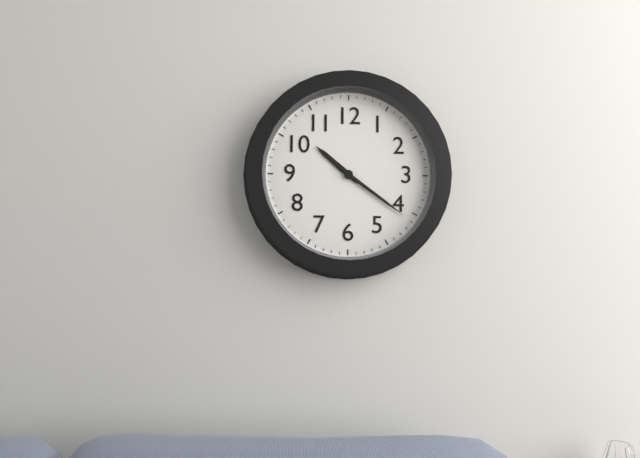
10:21
